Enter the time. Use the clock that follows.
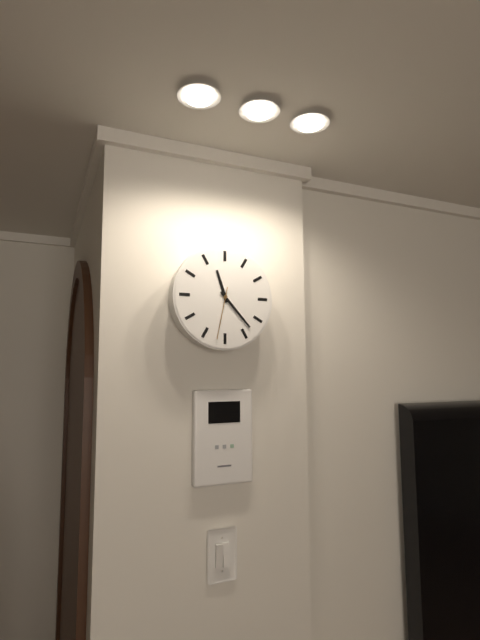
11:23:32
